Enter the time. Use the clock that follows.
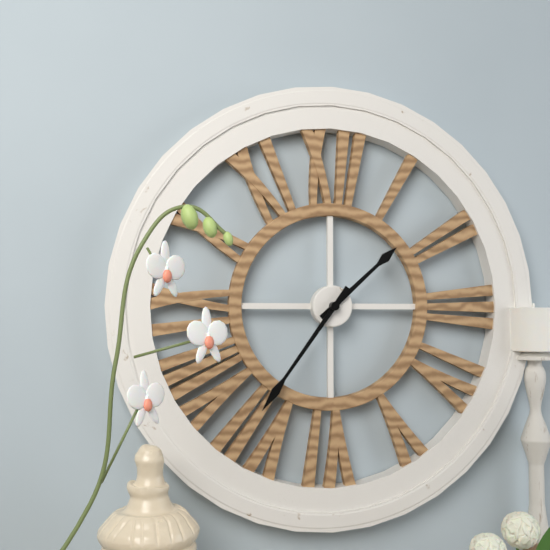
1:36
